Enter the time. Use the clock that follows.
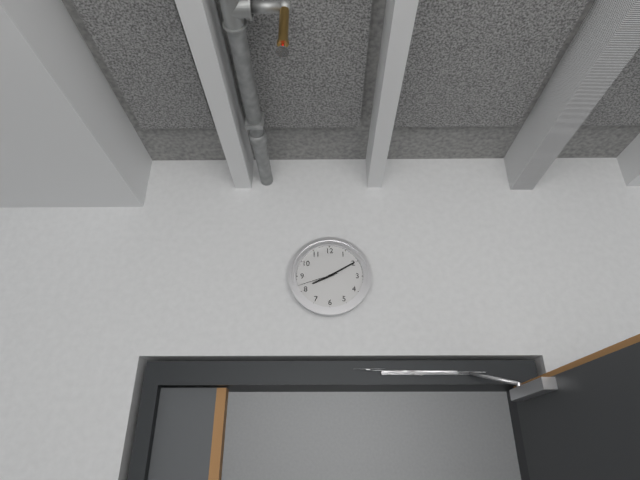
8:10
